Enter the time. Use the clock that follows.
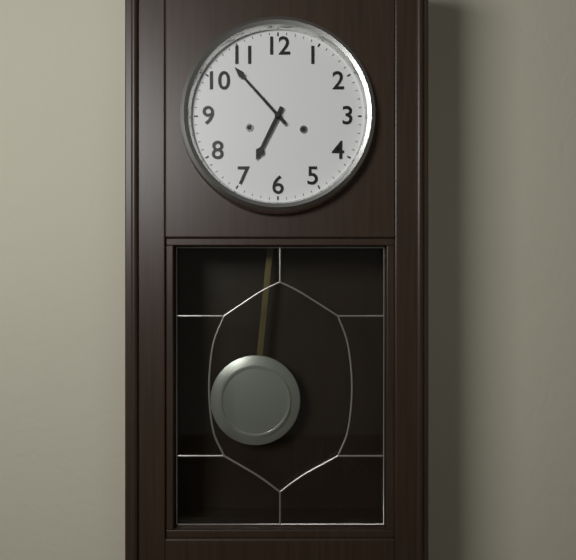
6:53
